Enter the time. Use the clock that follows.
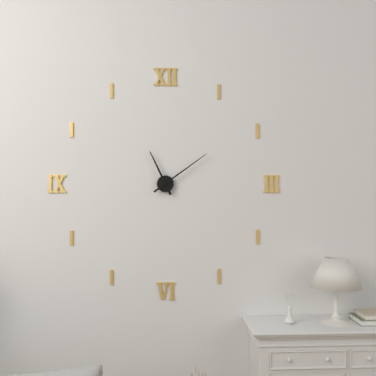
11:09
